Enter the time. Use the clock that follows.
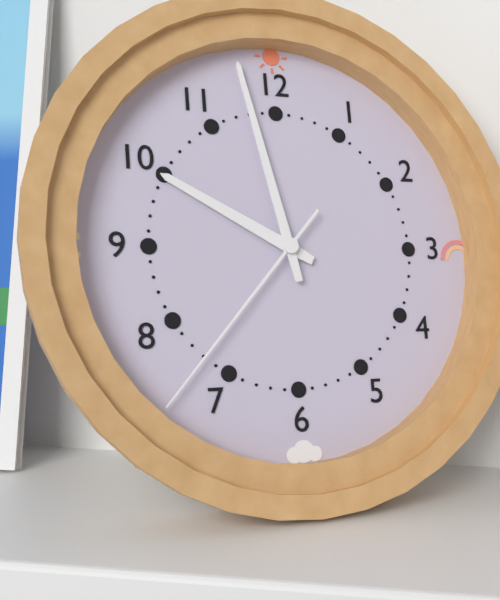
9:58:37
